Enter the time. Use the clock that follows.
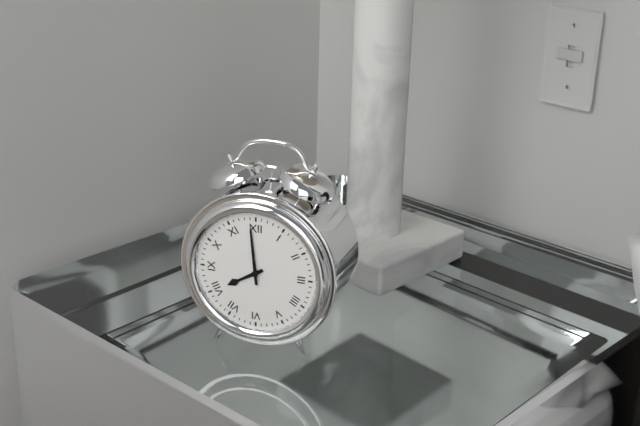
7:59
